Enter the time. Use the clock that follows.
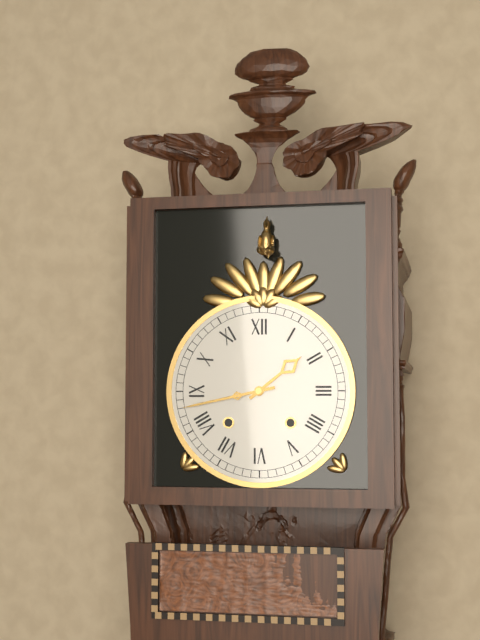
1:43
